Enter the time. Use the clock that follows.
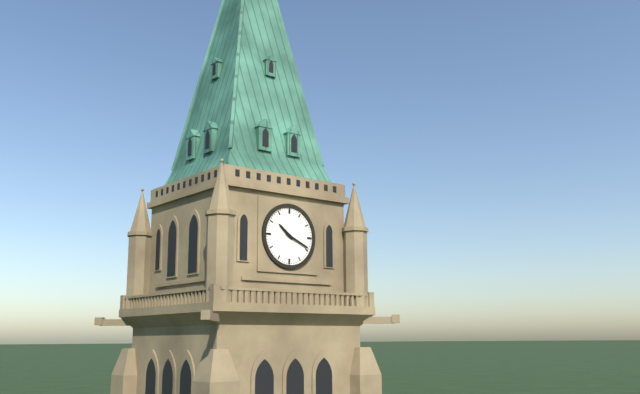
10:19
